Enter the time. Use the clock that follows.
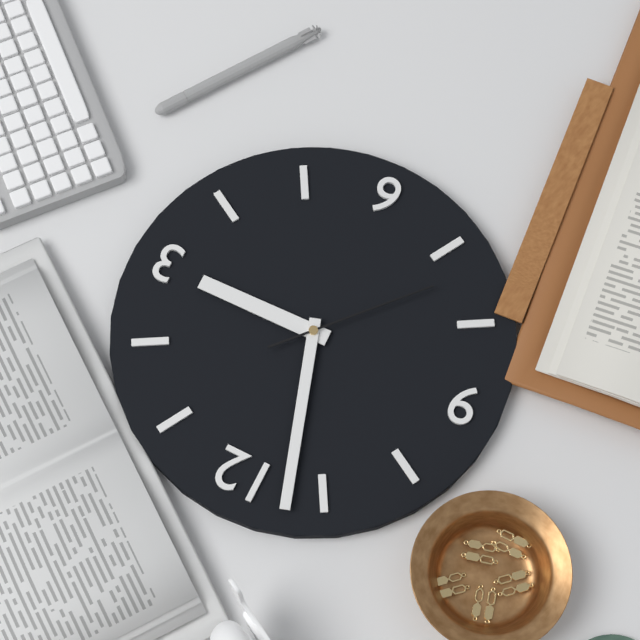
2:57:37
